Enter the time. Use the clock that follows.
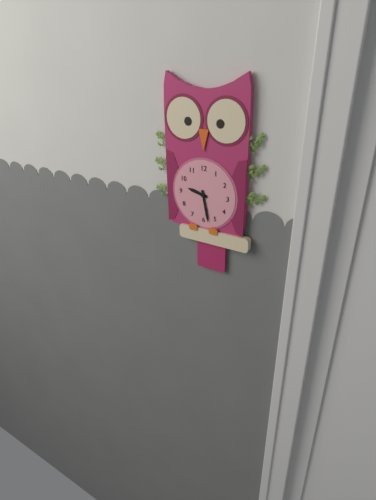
9:28
